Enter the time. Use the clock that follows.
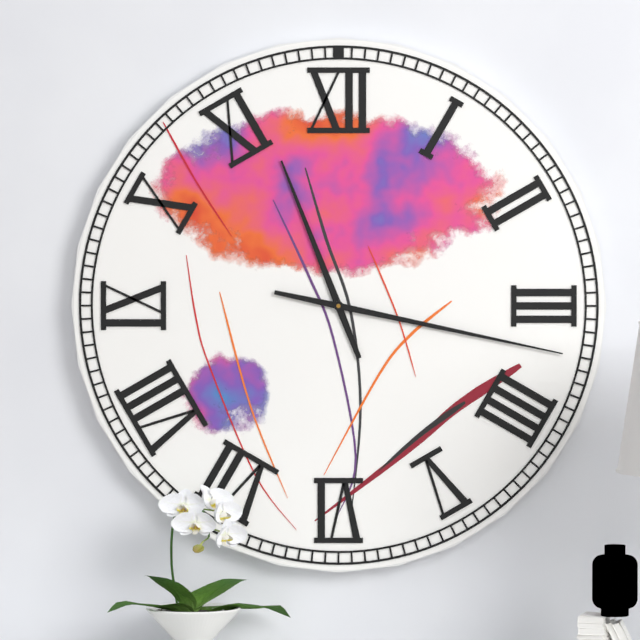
11:17
